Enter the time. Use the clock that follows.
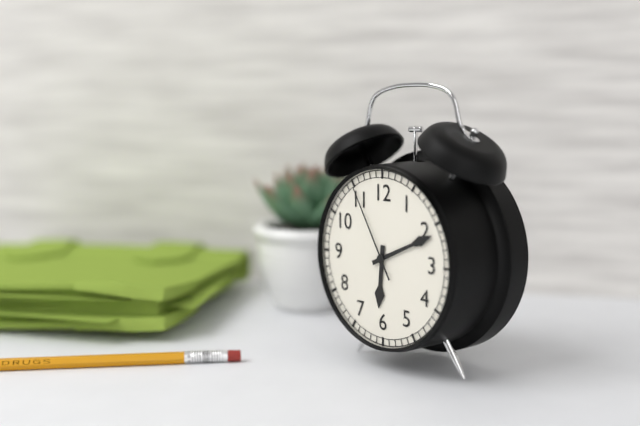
6:11:55
